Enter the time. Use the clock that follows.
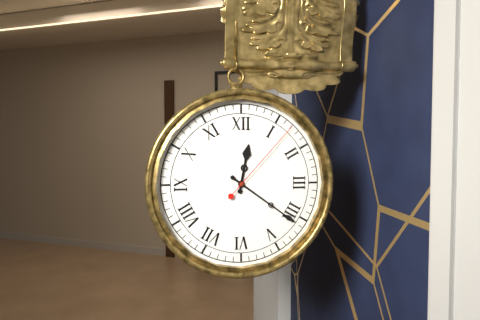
12:21:07
